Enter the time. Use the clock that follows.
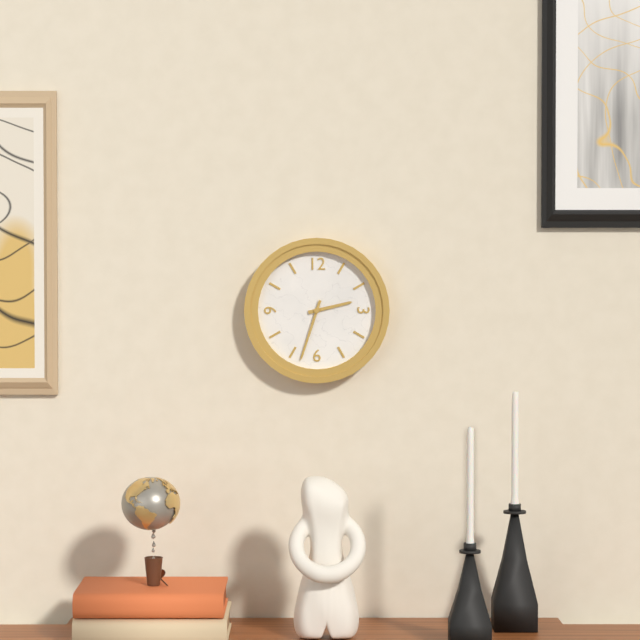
2:33
